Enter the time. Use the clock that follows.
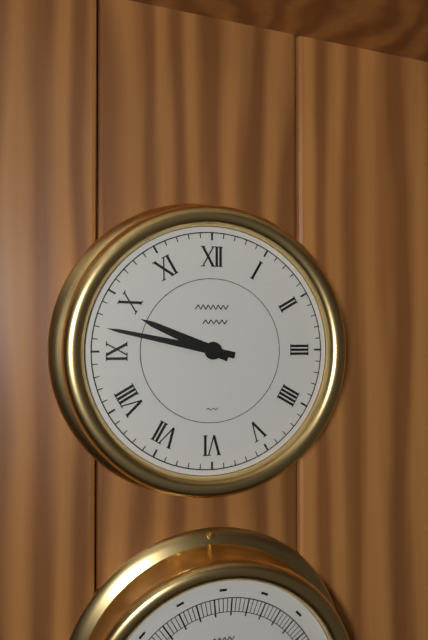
9:47
